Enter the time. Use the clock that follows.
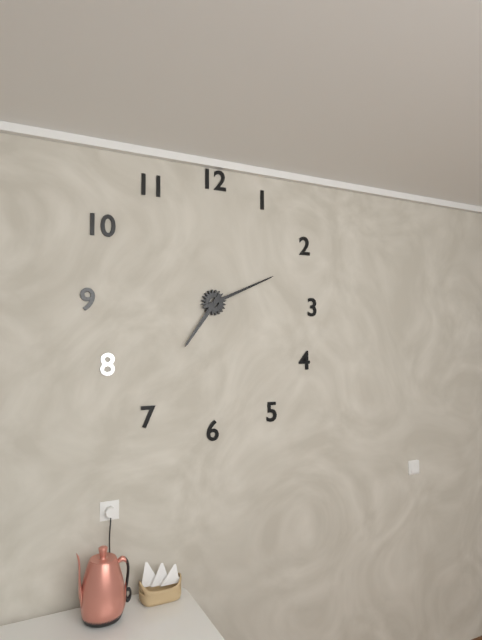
7:11
